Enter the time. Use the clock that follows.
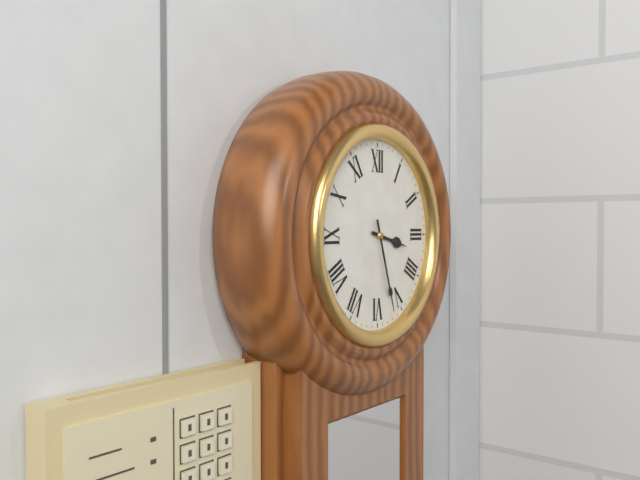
3:27
